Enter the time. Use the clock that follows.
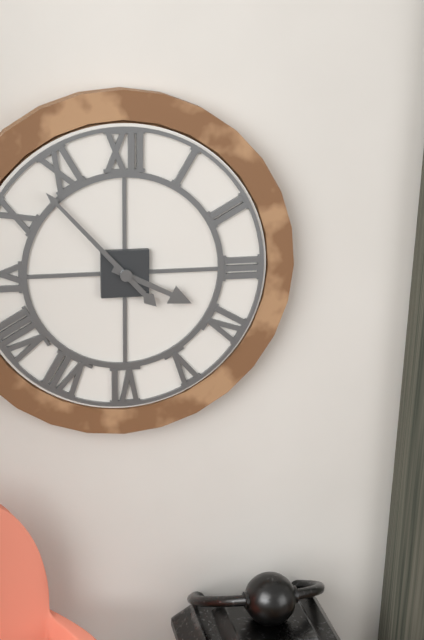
3:53
